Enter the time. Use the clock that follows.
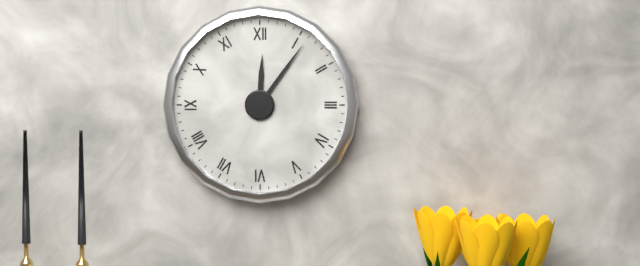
12:06
